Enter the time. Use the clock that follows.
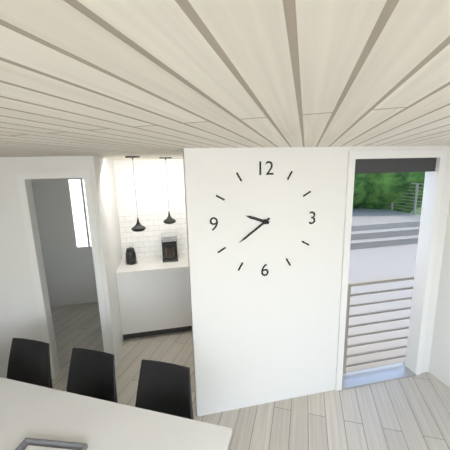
9:39
